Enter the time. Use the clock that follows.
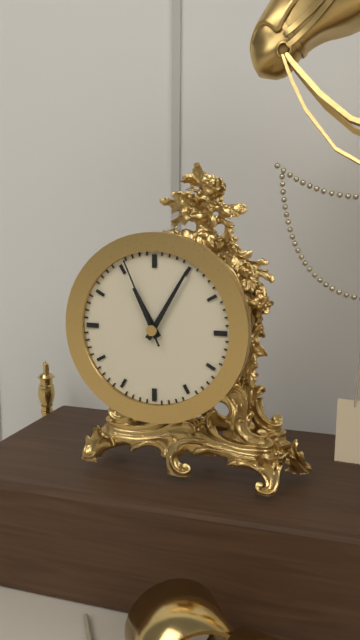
11:05:56
